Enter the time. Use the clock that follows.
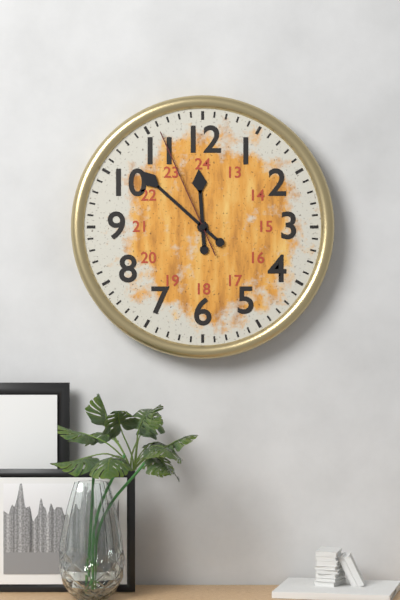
11:52:56
